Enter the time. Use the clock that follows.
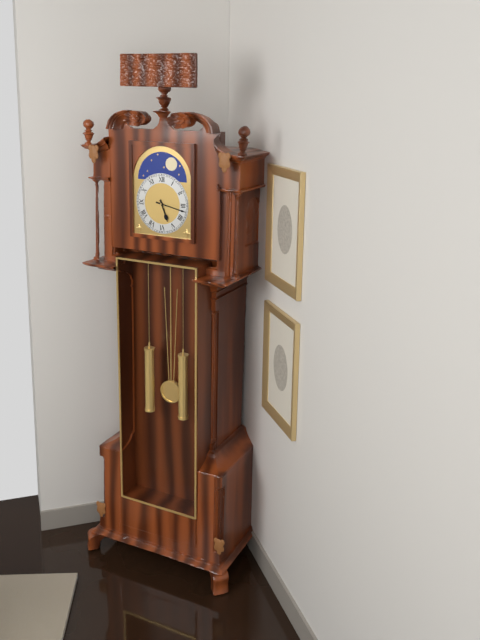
5:17
